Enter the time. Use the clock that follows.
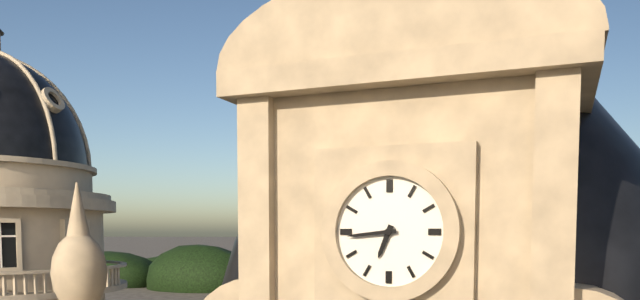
6:44
